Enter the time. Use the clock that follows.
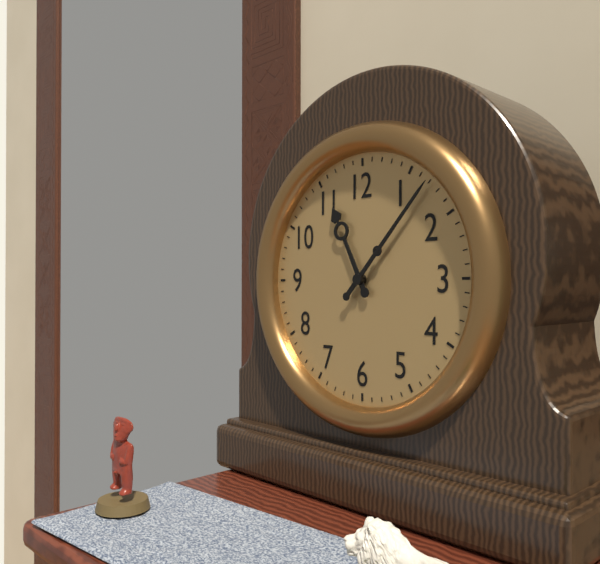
11:07
